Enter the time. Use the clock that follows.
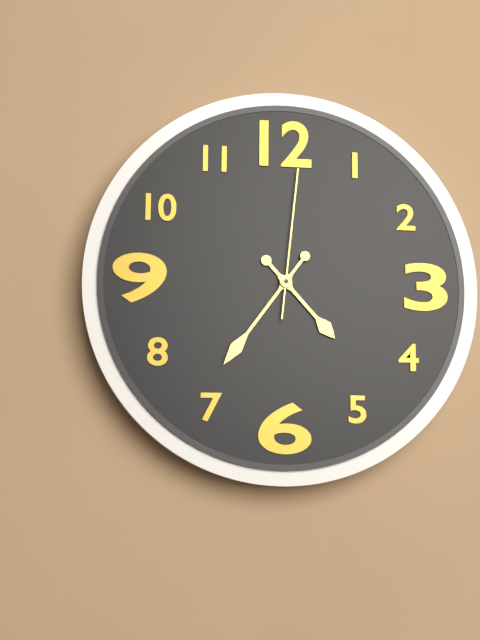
4:36:01
